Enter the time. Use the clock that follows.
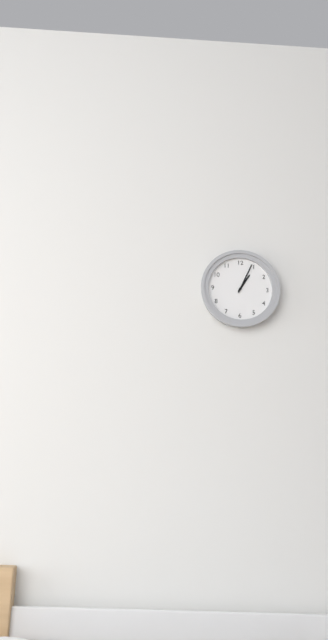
1:04
